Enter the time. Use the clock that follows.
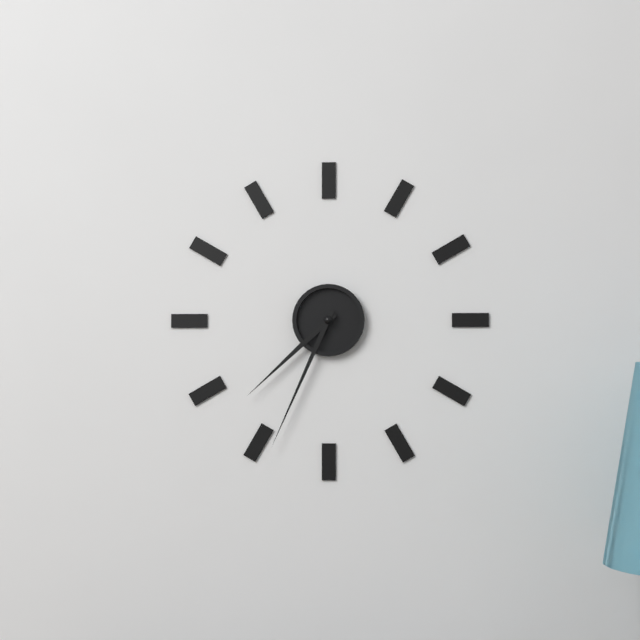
7:34
